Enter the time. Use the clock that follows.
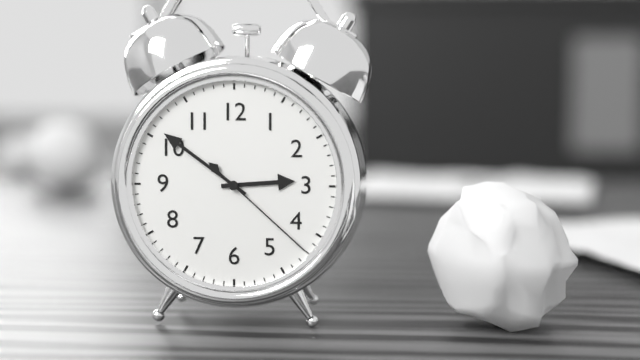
2:51:22
